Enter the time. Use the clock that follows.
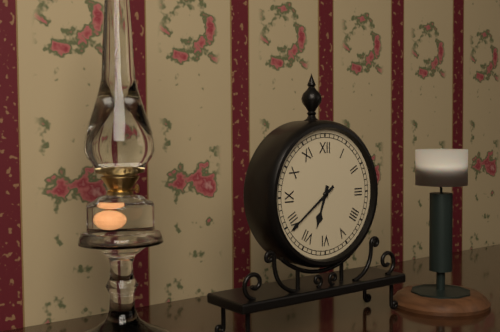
6:39
